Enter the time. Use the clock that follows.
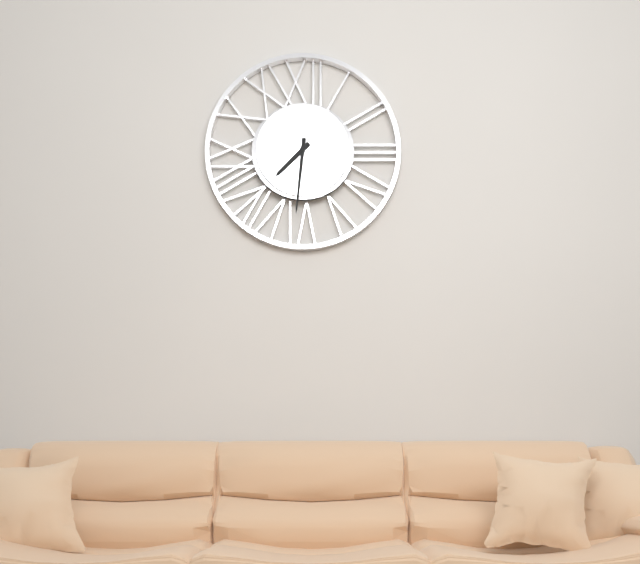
7:31
